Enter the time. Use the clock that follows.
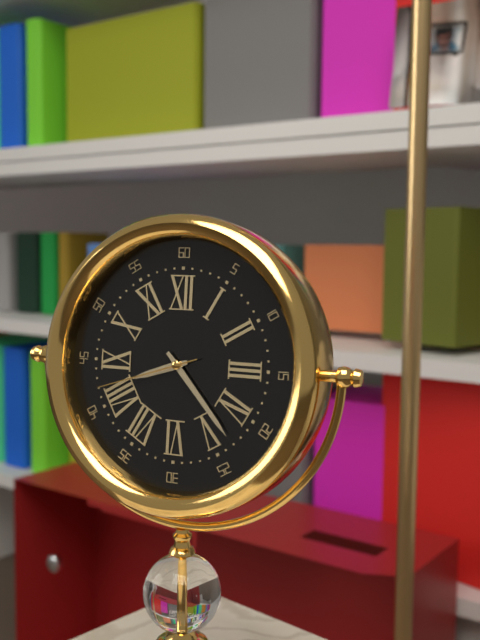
8:23:42
